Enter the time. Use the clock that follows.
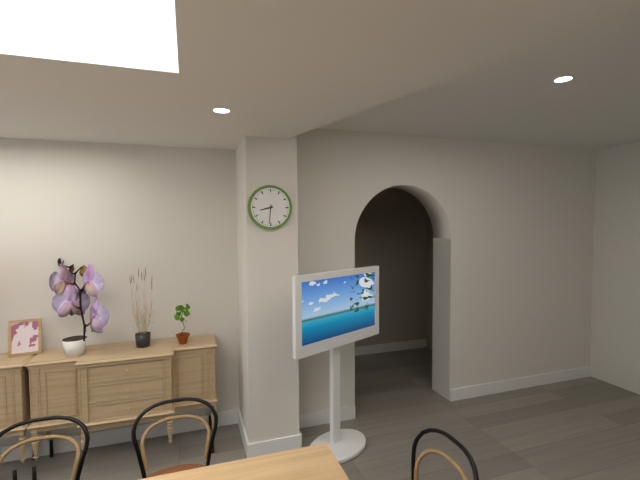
8:31
